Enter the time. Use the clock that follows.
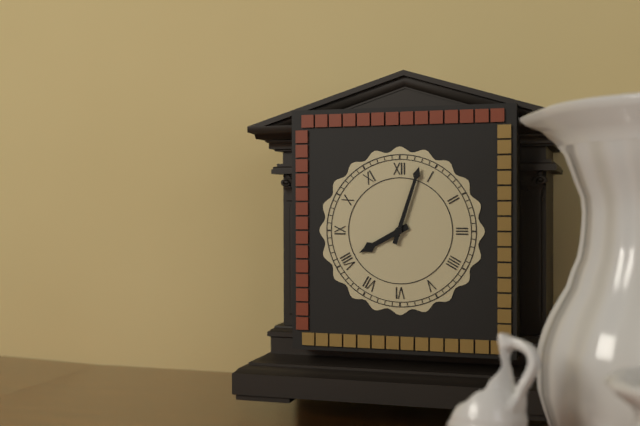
8:03
